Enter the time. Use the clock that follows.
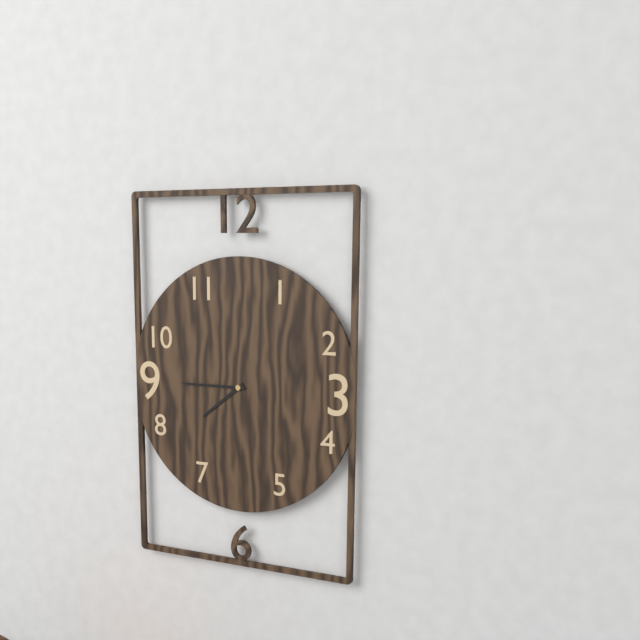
7:45
